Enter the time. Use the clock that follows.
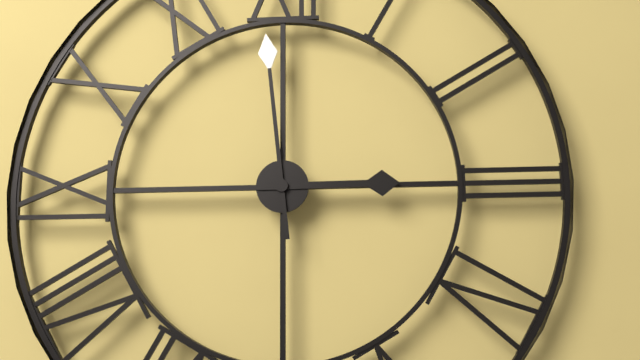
2:59
